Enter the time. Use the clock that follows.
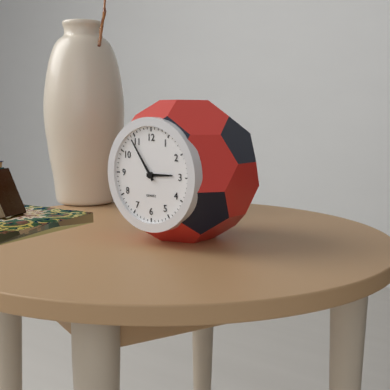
2:54
